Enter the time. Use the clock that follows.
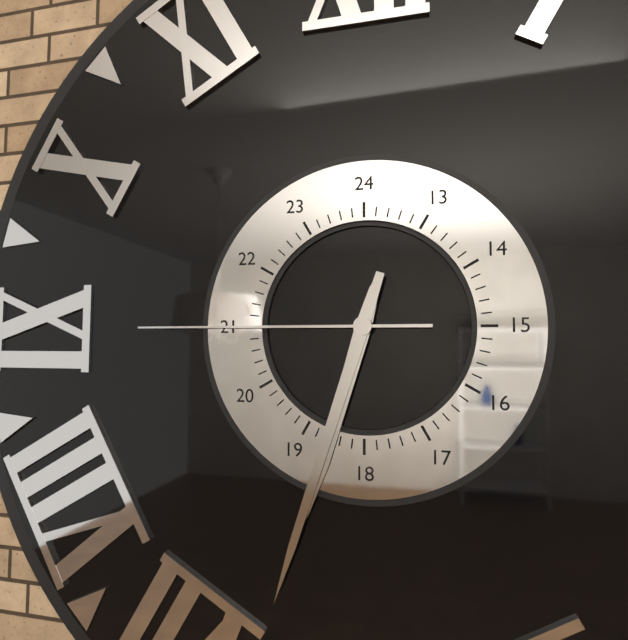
6:33:45
